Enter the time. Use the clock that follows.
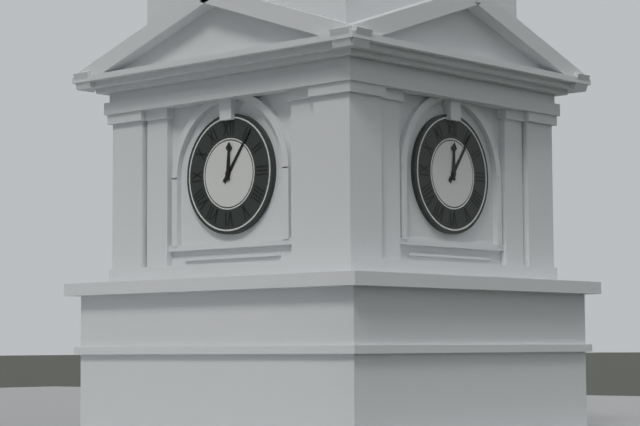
12:06
